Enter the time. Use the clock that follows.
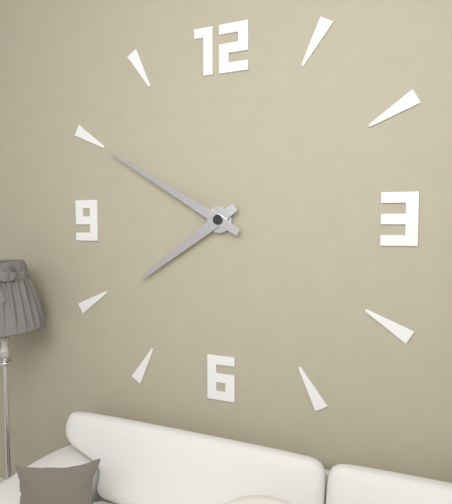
7:50
